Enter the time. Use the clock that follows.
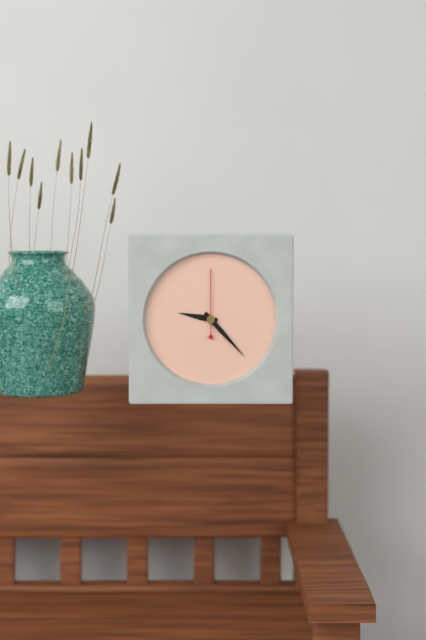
9:23:00
